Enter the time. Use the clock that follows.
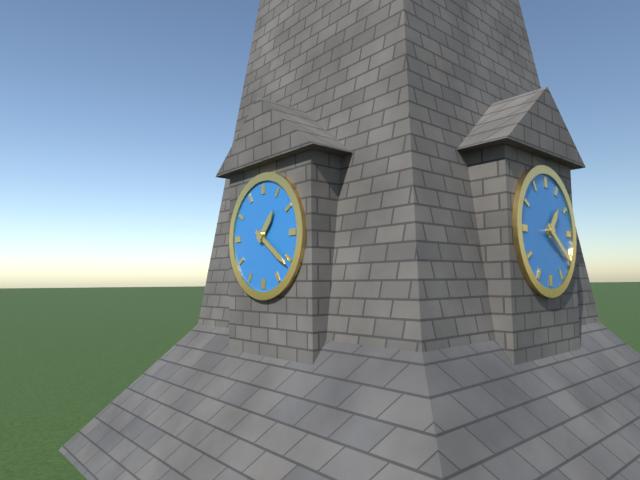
1:21
